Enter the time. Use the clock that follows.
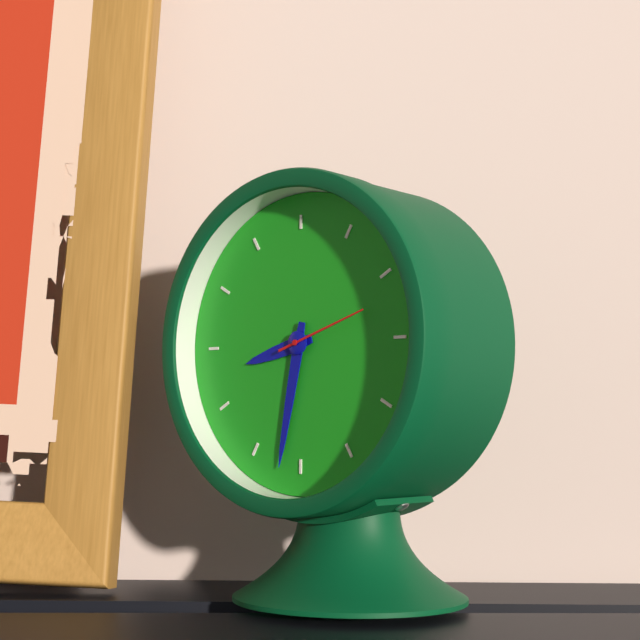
8:32:12
